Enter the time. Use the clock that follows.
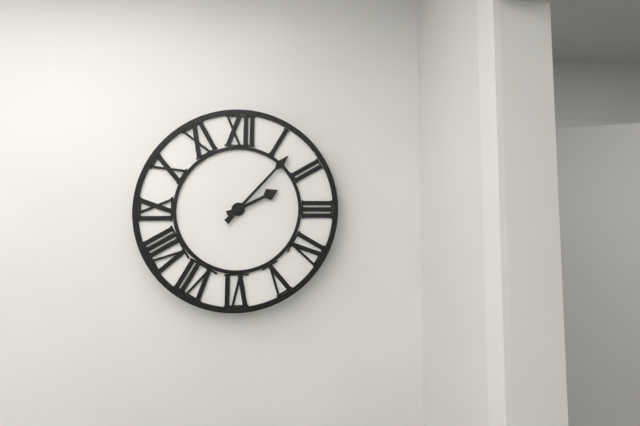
2:07
